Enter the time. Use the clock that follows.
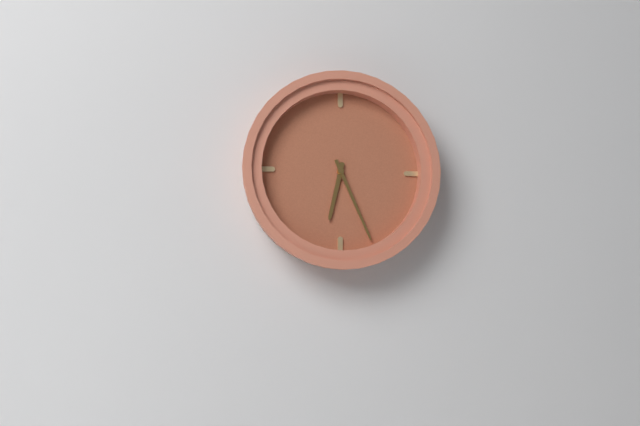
6:26
